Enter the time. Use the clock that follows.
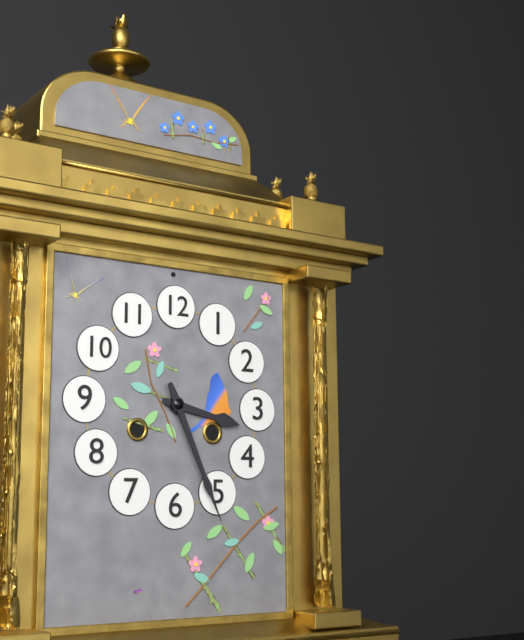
3:26
